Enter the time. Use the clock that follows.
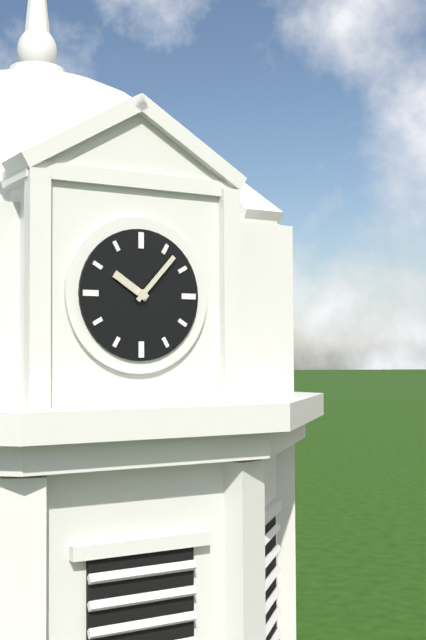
10:07
